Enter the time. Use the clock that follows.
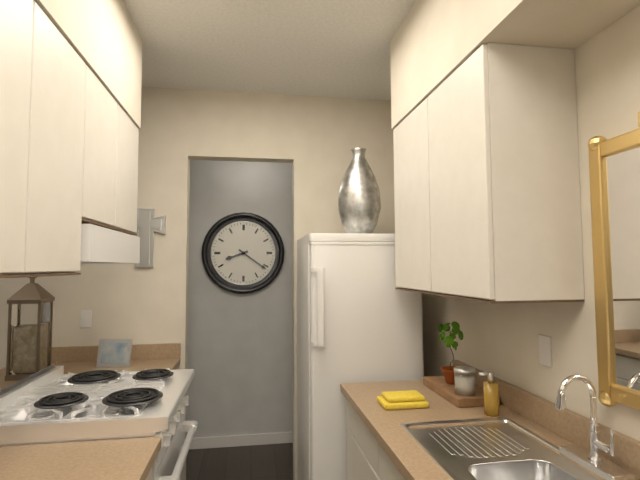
8:21
